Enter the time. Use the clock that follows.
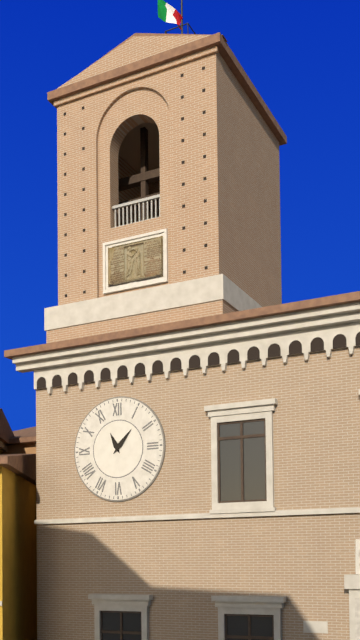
11:07
